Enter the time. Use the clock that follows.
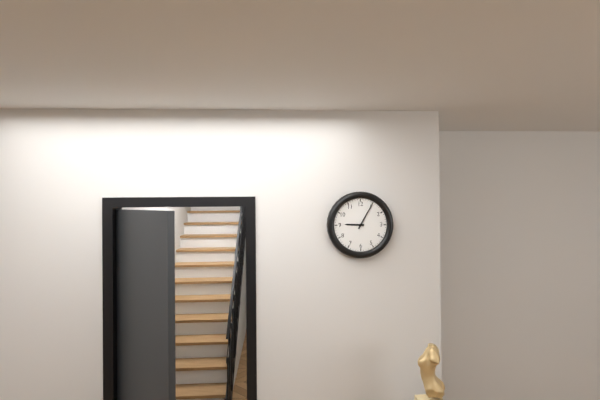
9:05
